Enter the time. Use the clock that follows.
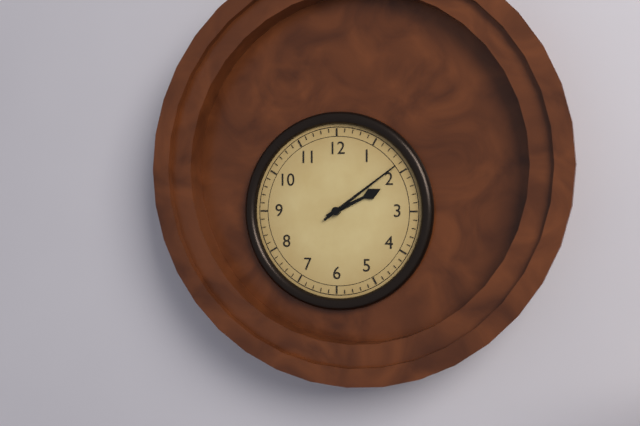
2:09
